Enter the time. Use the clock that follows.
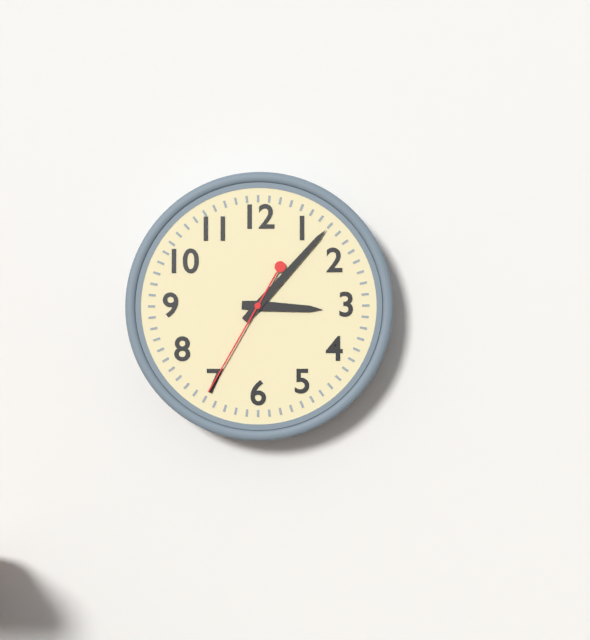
3:07:35
